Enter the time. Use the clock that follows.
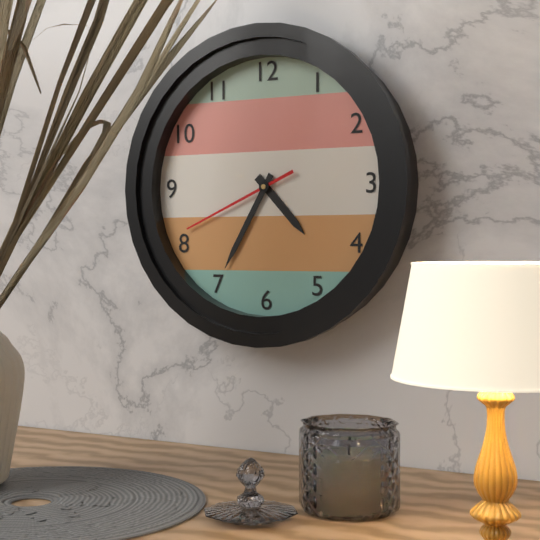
4:35:41
